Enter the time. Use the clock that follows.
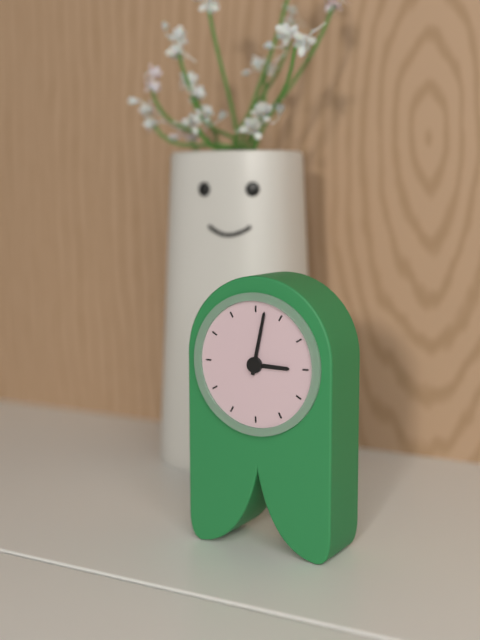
3:02
